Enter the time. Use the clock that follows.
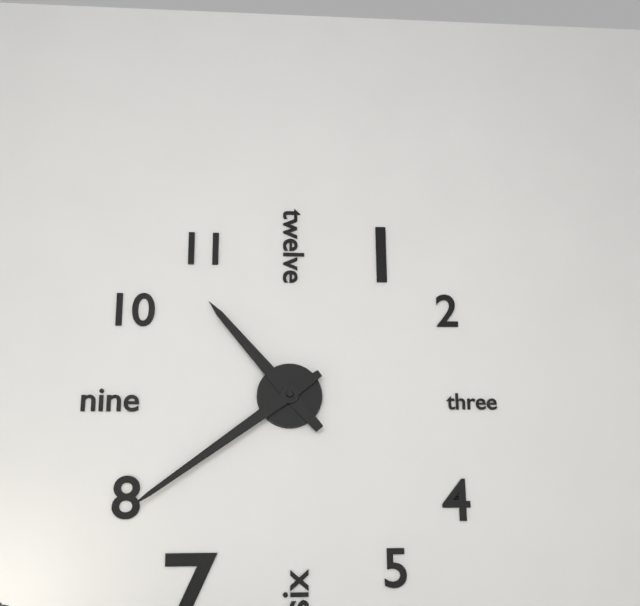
10:39
